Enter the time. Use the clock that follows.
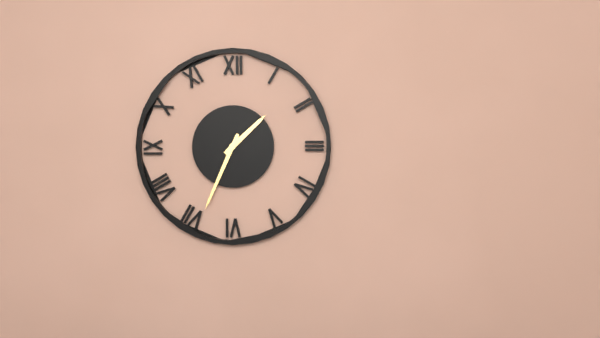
1:34
